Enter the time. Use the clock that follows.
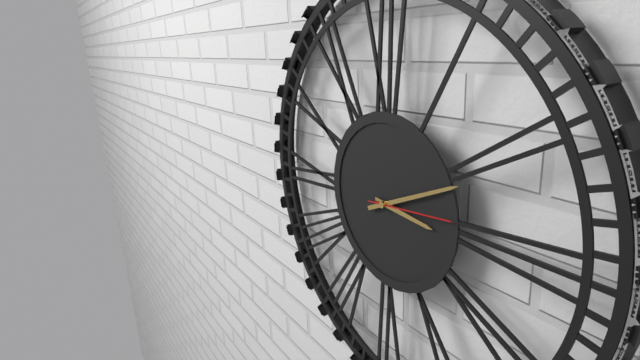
3:11:14
